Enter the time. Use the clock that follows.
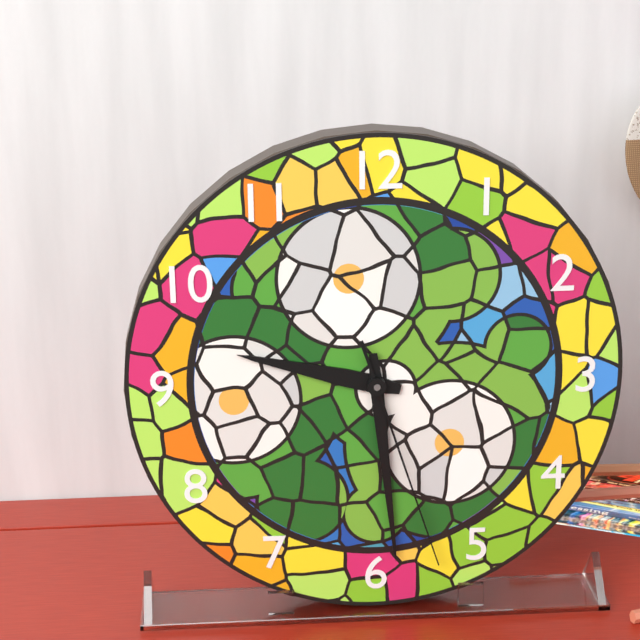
9:29:27
